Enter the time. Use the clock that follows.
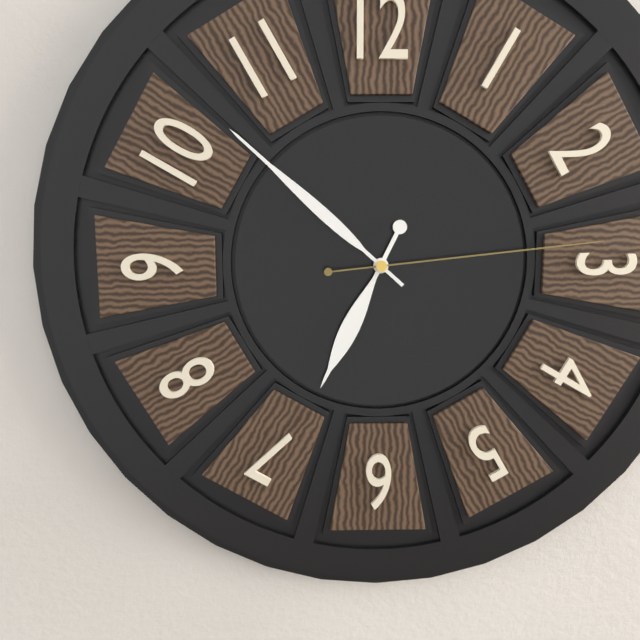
6:52:14
